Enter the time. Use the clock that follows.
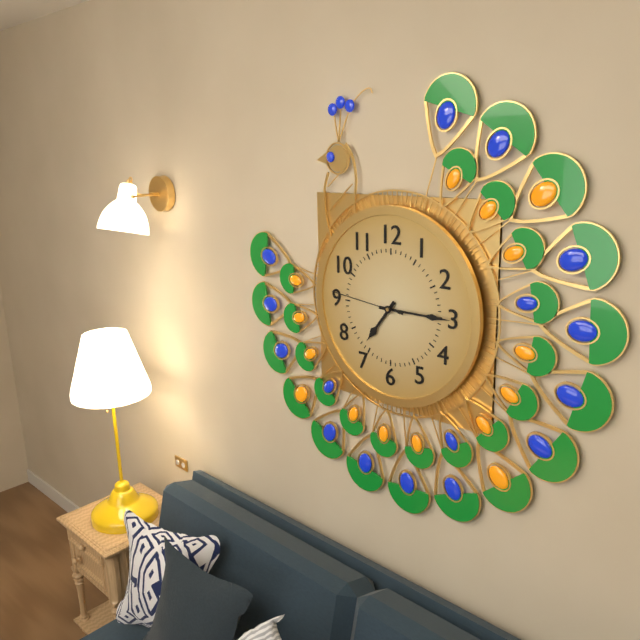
7:15:46
